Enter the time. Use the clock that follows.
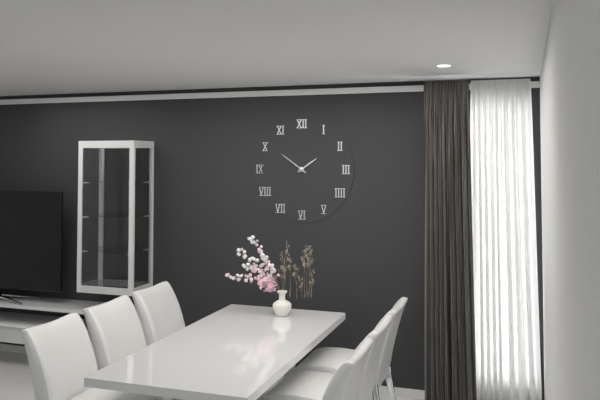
1:51
